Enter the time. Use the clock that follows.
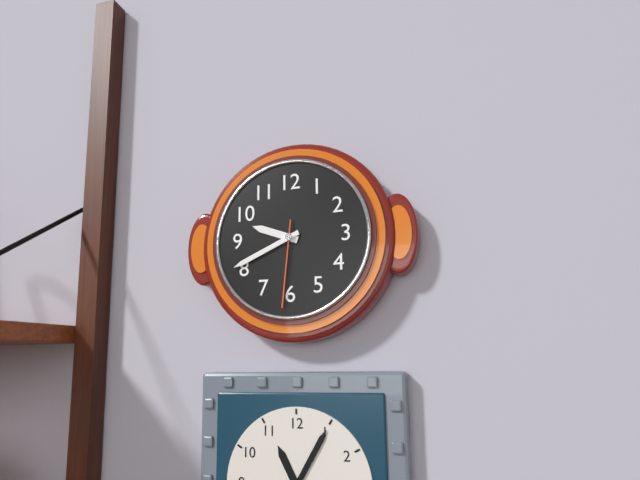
9:41:31
